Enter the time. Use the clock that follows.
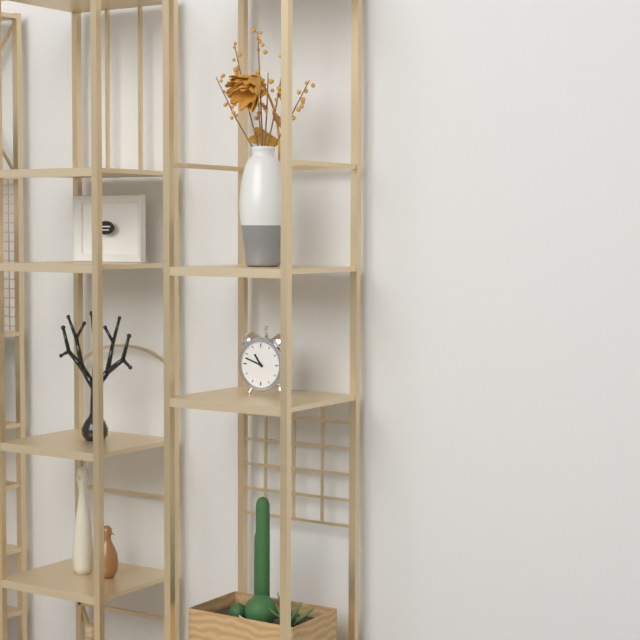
10:48
